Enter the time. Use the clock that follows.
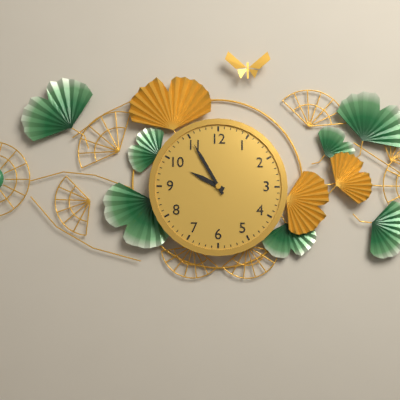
9:55
